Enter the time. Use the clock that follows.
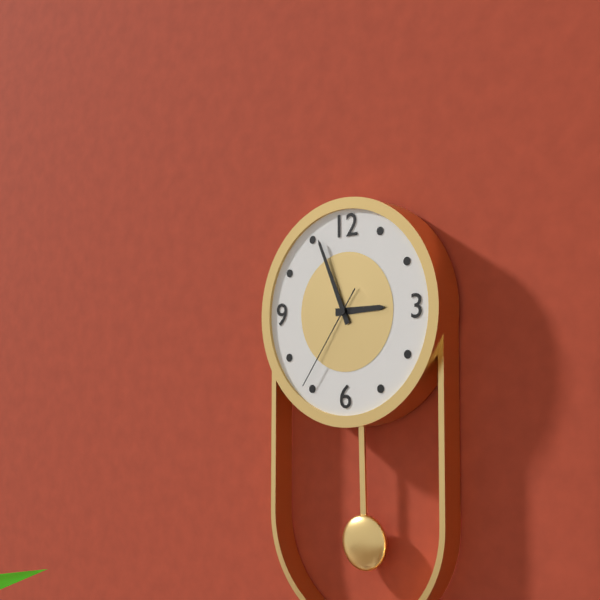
2:56:36
